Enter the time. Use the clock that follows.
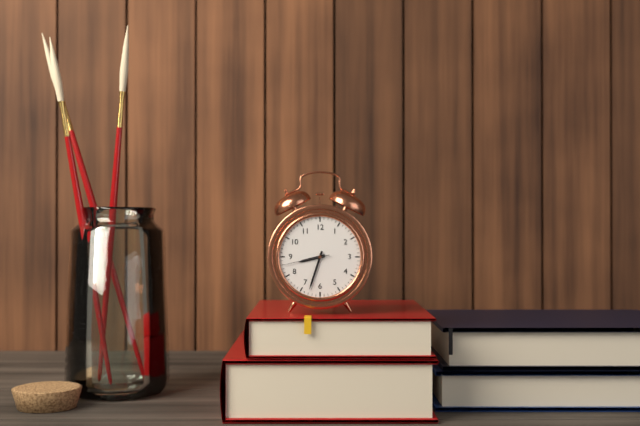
8:33
